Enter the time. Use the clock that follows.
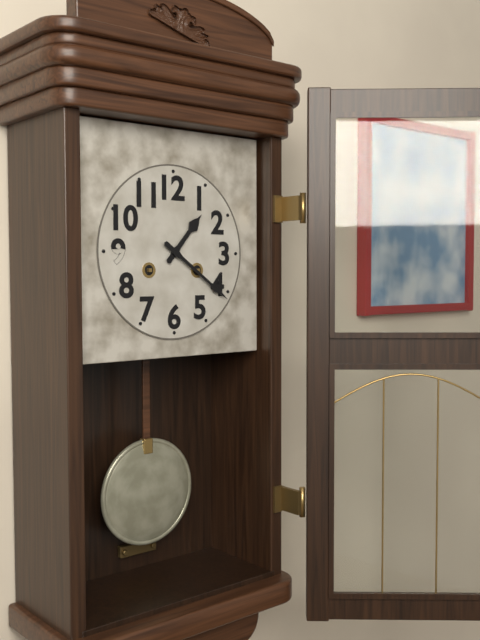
1:21
